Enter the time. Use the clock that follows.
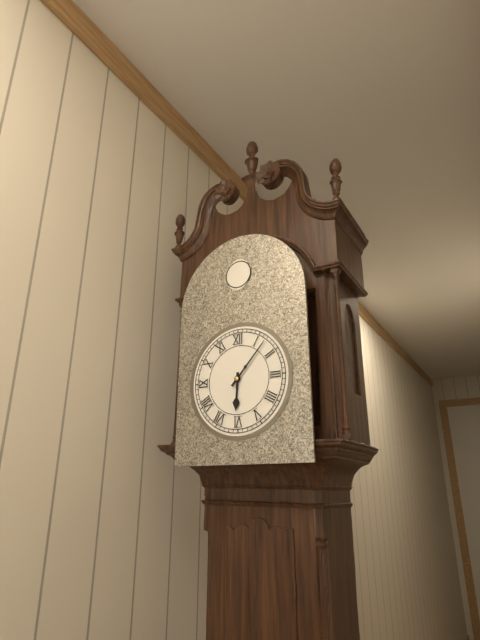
6:07
